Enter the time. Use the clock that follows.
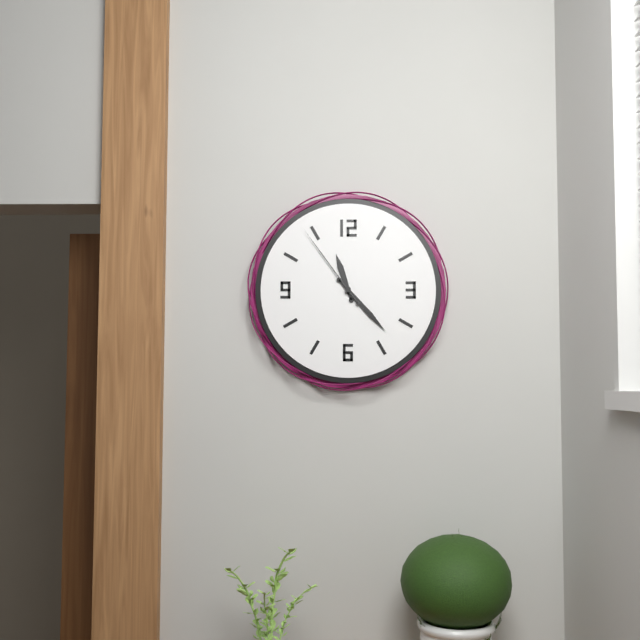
11:23:54
